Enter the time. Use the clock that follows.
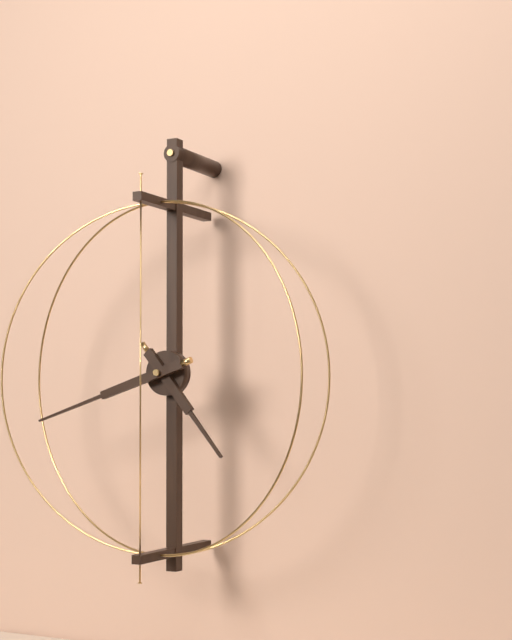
4:42
